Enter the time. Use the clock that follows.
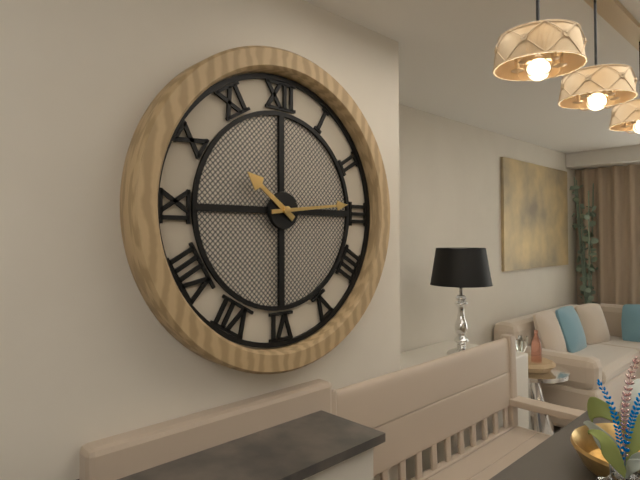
10:14
